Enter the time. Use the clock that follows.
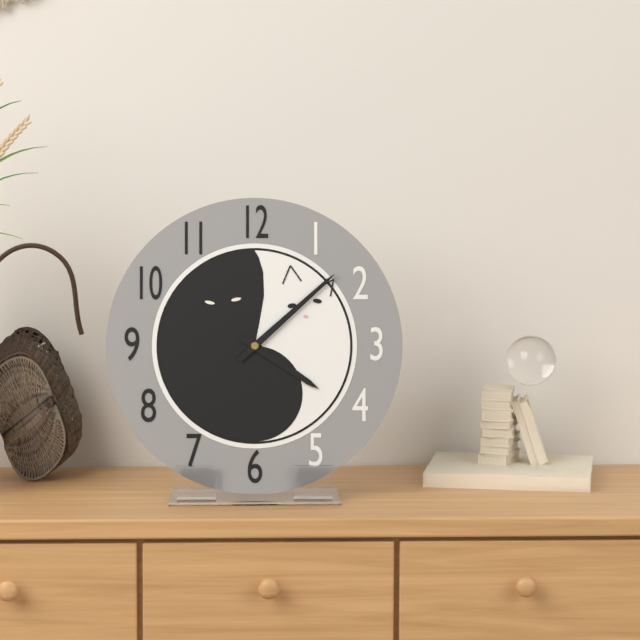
4:08
